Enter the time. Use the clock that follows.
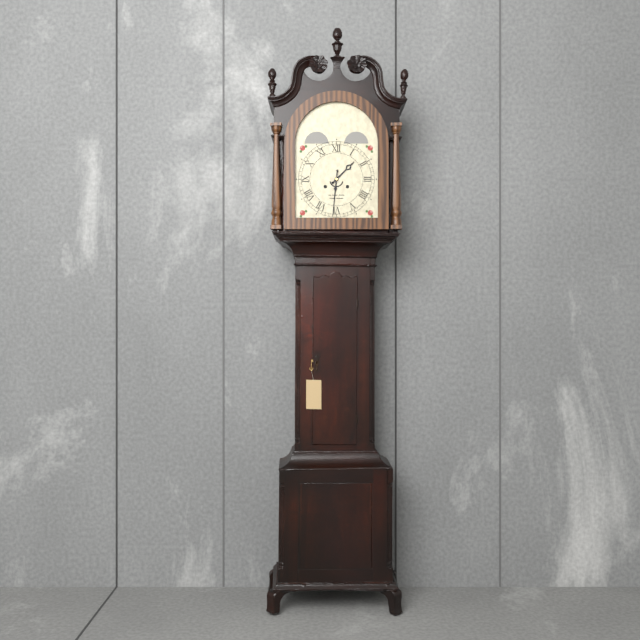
1:31
